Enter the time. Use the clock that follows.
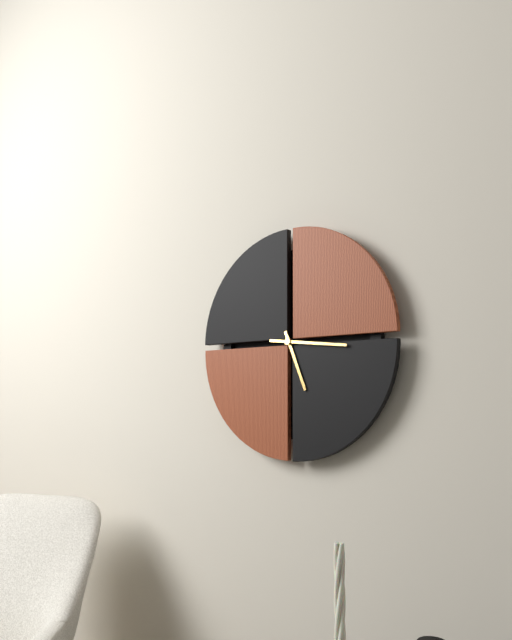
5:16
